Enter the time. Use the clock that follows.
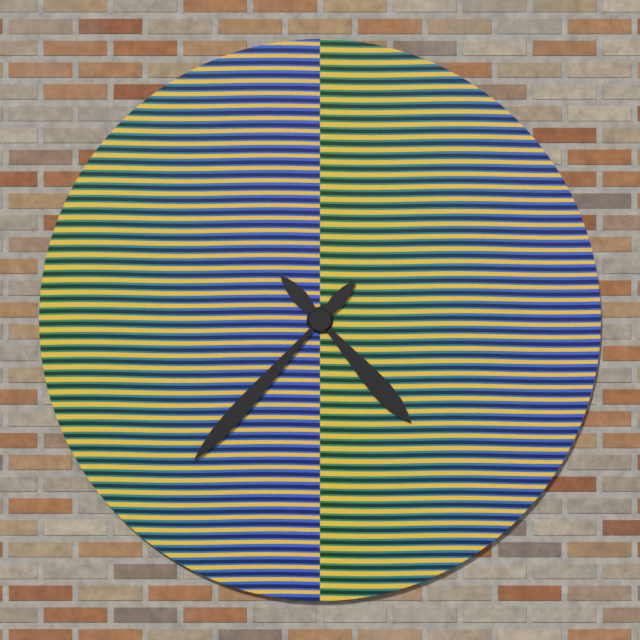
4:37
